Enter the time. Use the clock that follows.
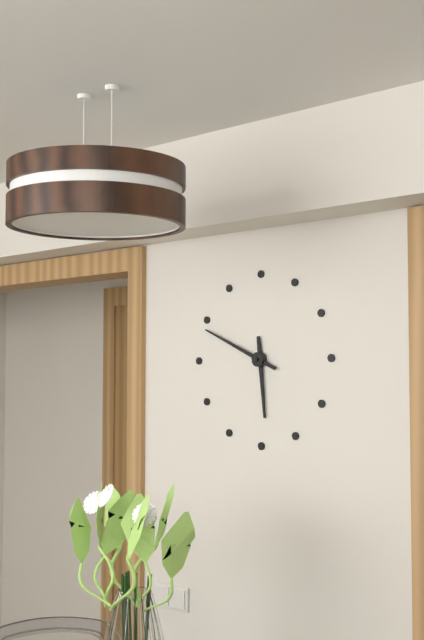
5:49
